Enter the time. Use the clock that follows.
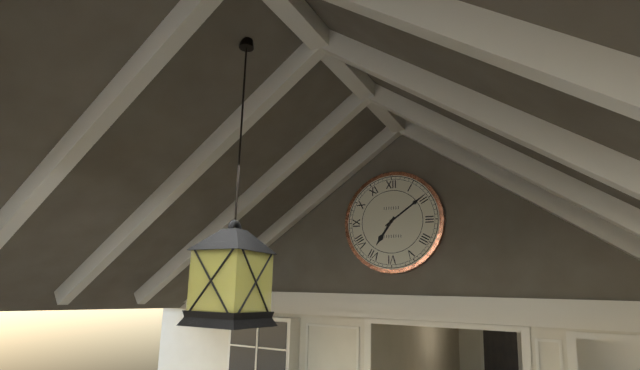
7:09
